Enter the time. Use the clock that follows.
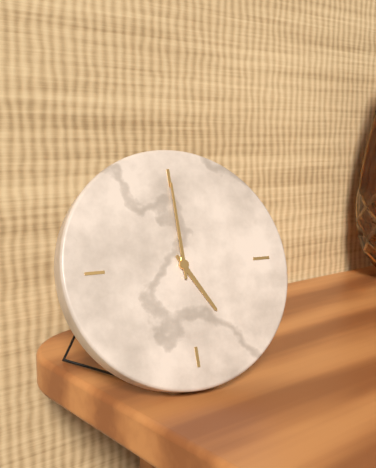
5:00
